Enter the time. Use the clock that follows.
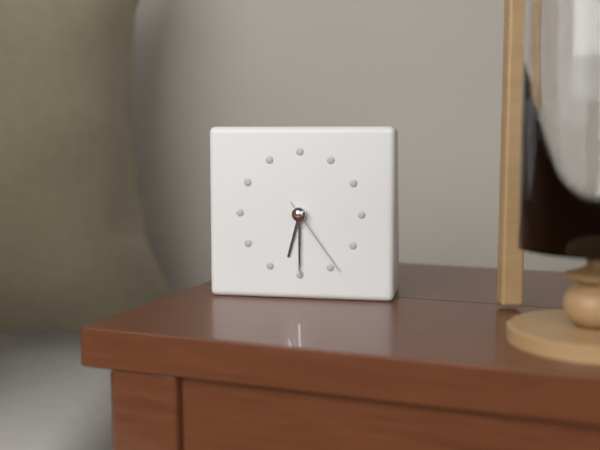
6:30:24
